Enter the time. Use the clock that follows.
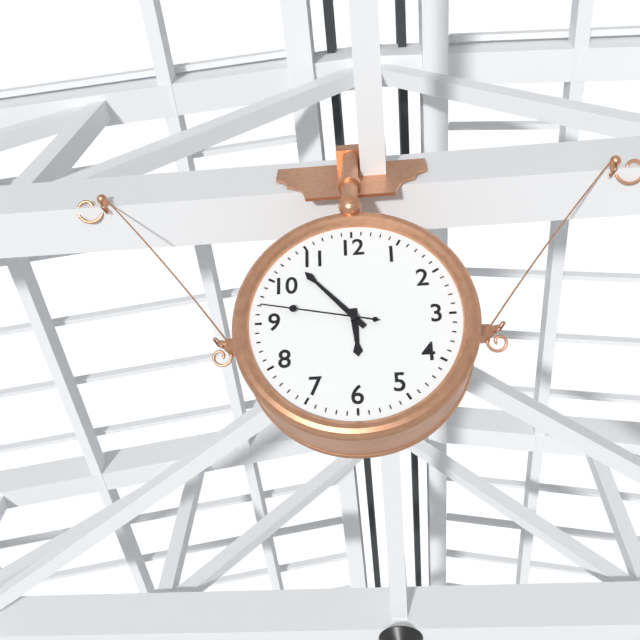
5:53:47
